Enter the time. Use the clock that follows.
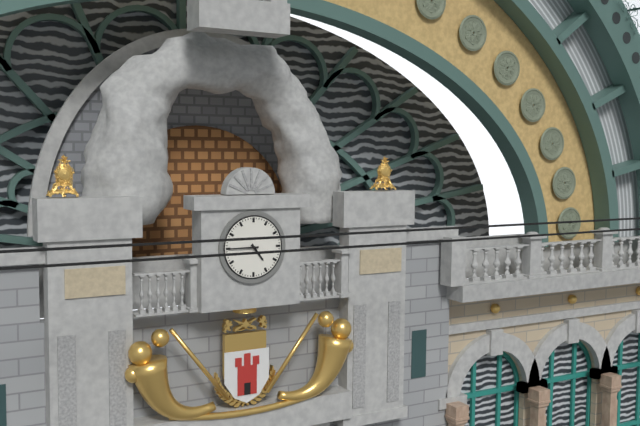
4:45
